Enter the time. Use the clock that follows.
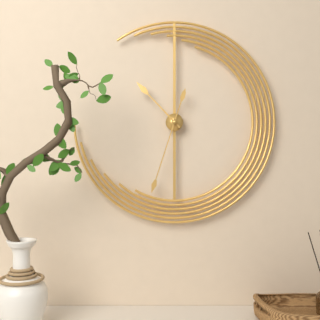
10:33
